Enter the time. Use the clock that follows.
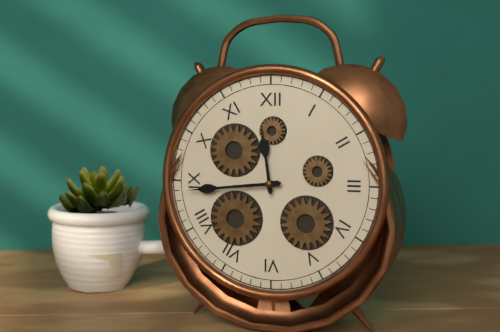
11:44
